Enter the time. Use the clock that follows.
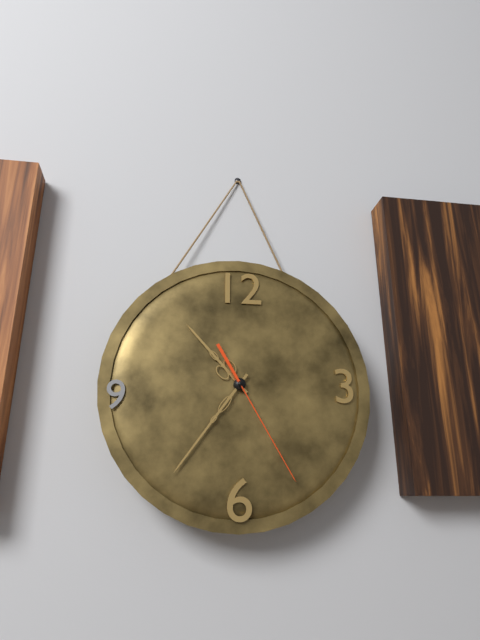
10:36:25
